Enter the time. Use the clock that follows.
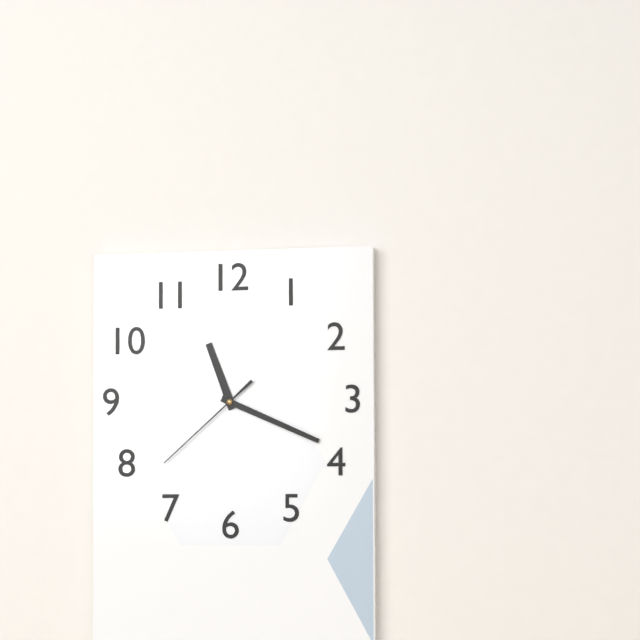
11:19:38
